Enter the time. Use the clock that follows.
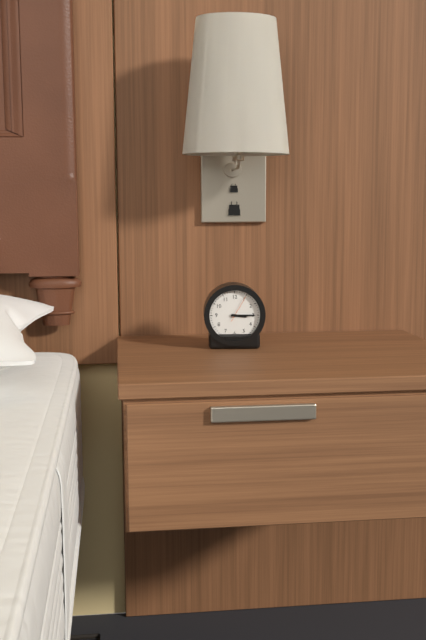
3:15
